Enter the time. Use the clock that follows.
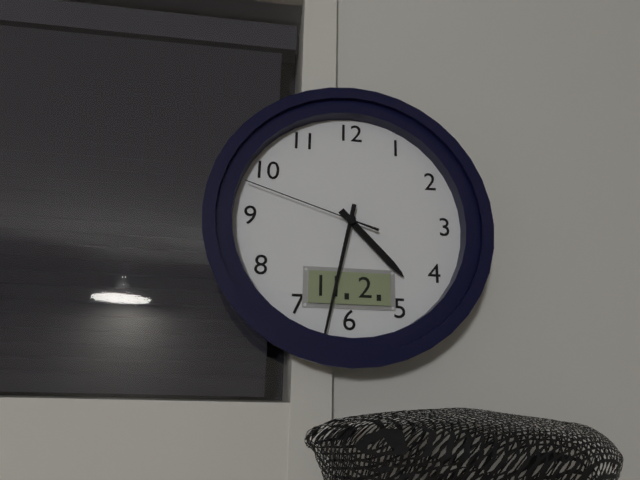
4:32:48
